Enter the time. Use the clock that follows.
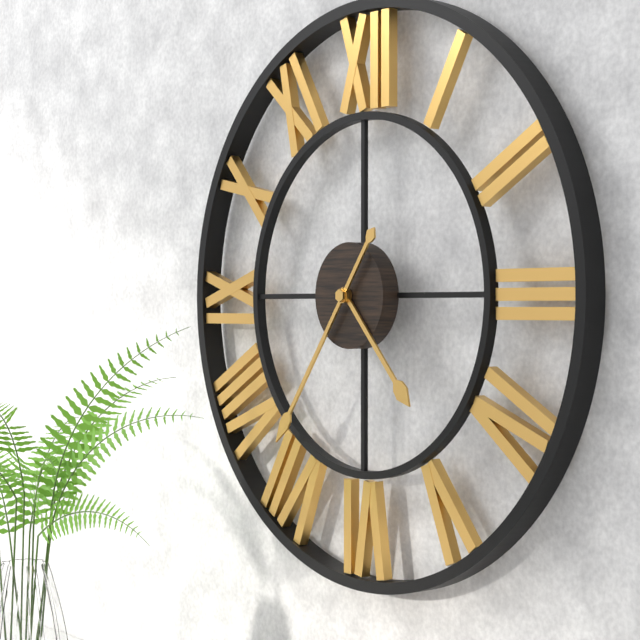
4:36
